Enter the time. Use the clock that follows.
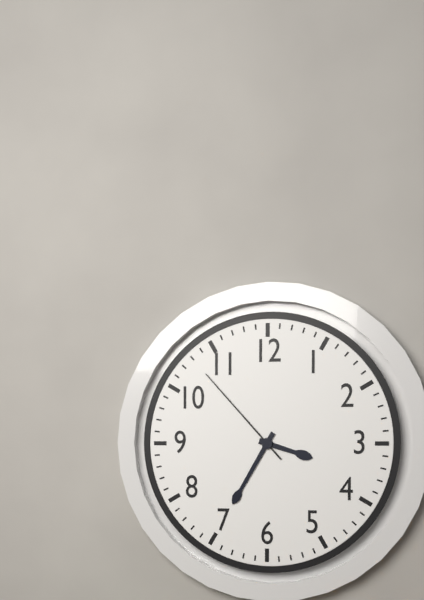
3:35:53
